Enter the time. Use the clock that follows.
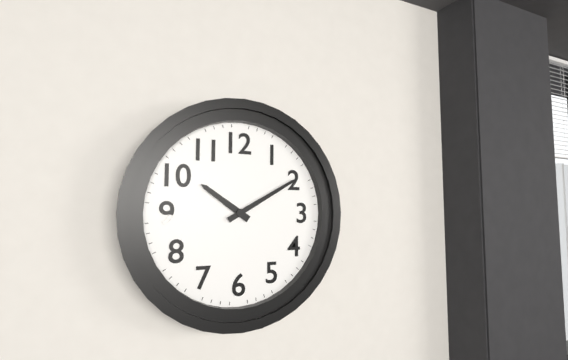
10:10
